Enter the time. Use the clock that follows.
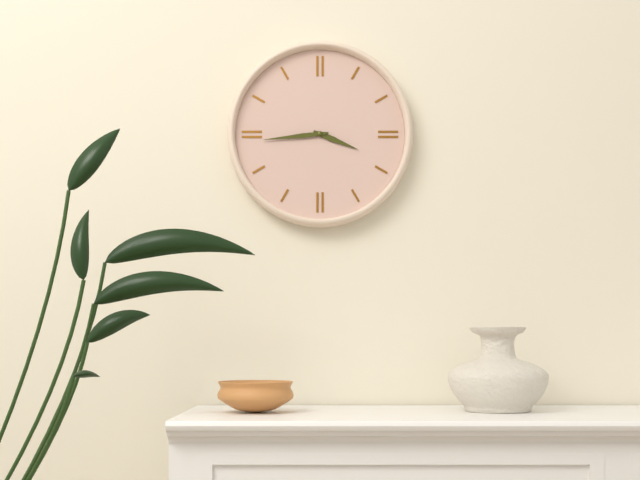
3:44
